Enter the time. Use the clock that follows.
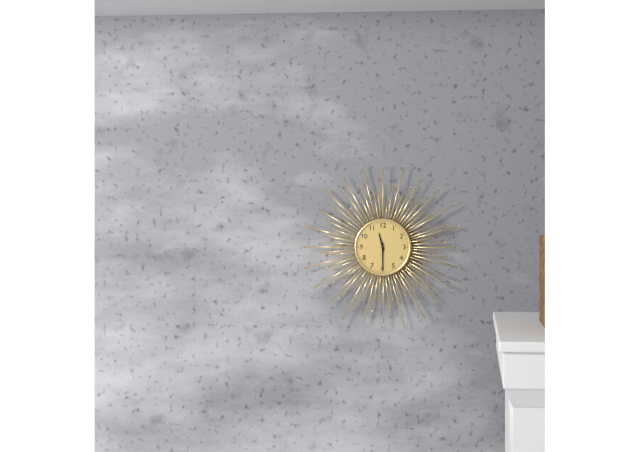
11:30
